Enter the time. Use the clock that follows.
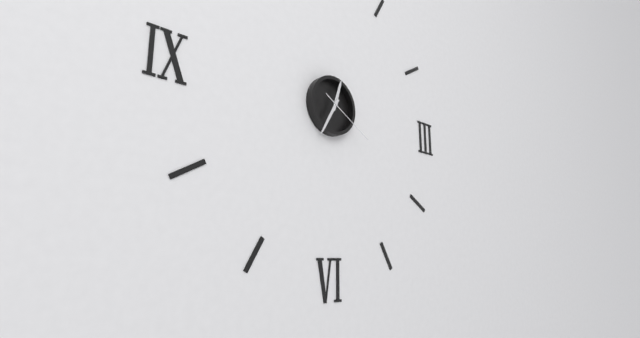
12:35:20
